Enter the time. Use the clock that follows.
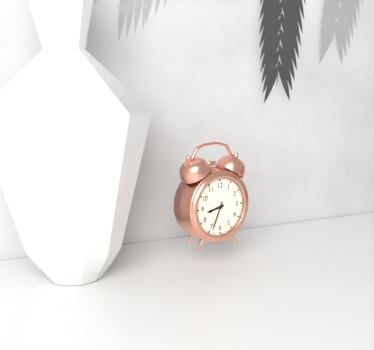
8:34
